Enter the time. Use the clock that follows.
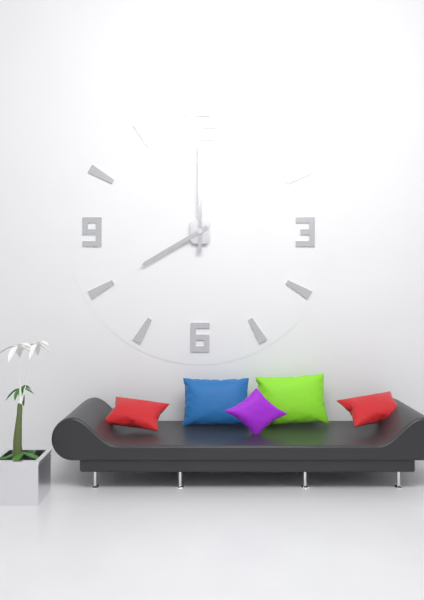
8:00
